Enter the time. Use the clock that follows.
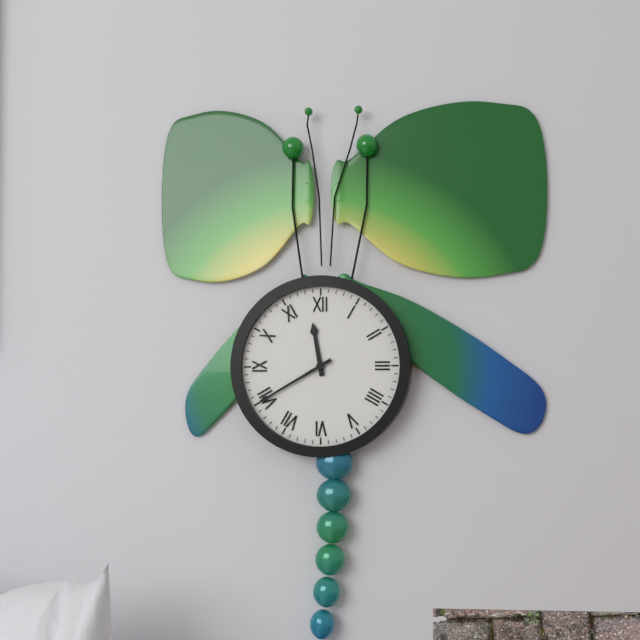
11:40
